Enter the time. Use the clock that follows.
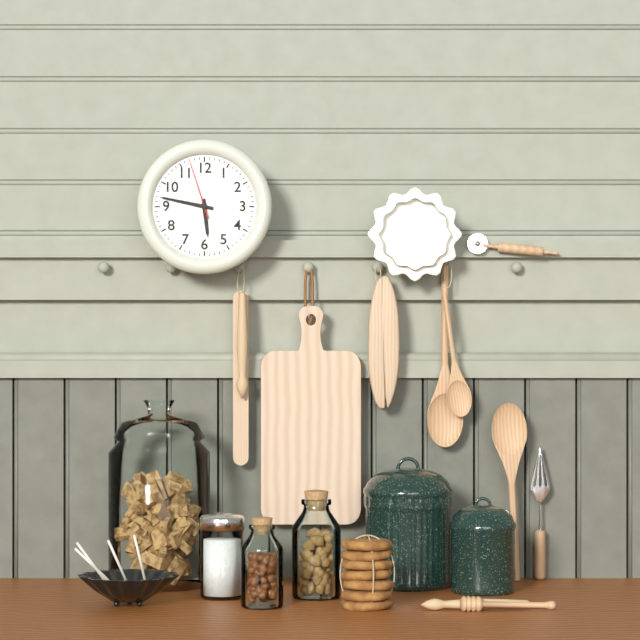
5:47:57
